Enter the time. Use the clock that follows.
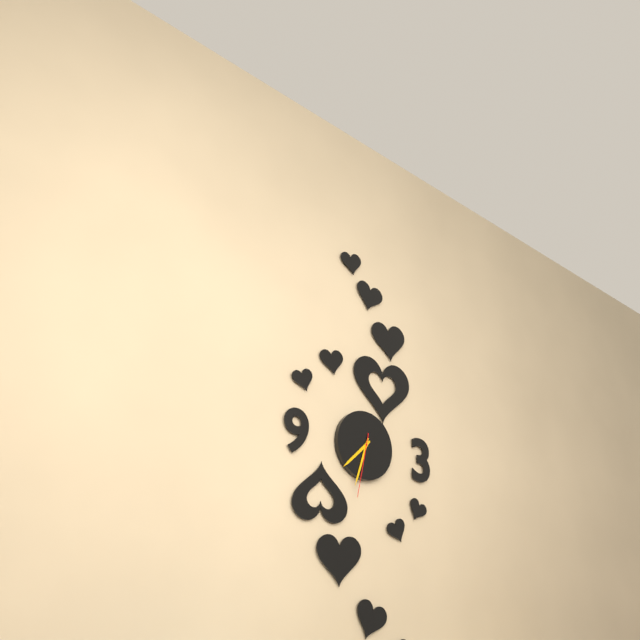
7:33:32
